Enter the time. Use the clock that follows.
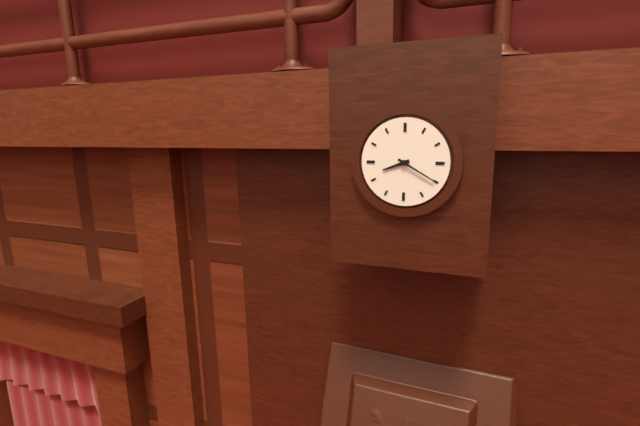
8:20
